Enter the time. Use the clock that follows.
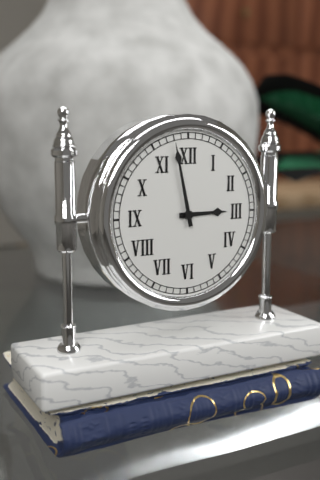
2:58
